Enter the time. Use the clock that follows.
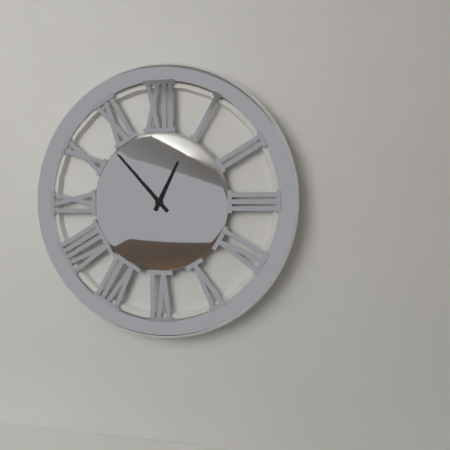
12:53
